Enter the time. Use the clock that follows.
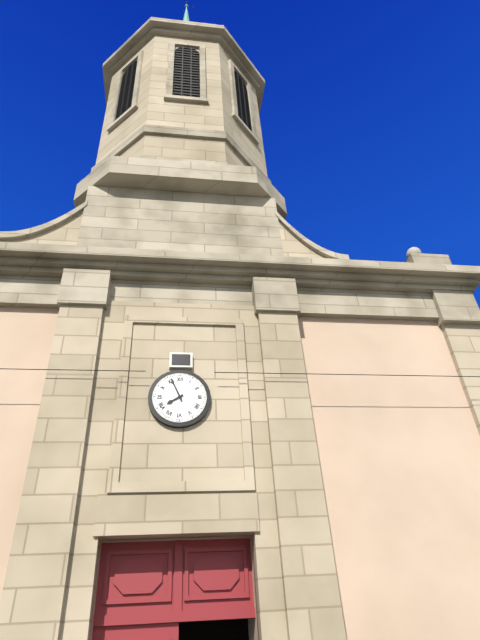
7:56
